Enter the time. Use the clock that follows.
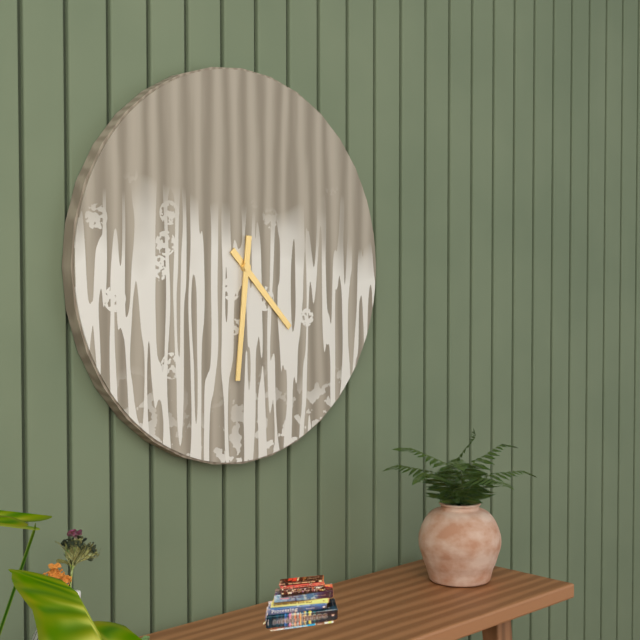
4:31
